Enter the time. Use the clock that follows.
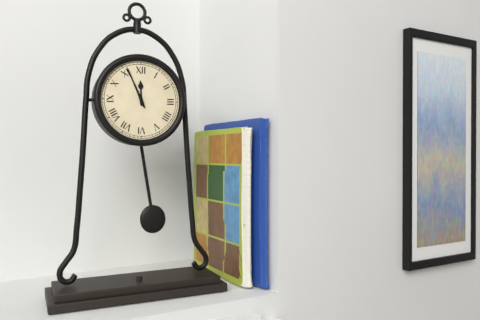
11:56
